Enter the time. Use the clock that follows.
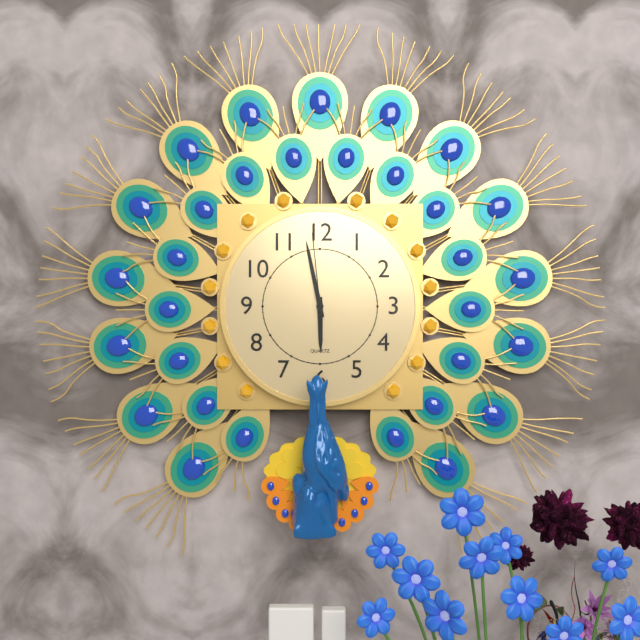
5:58:59
